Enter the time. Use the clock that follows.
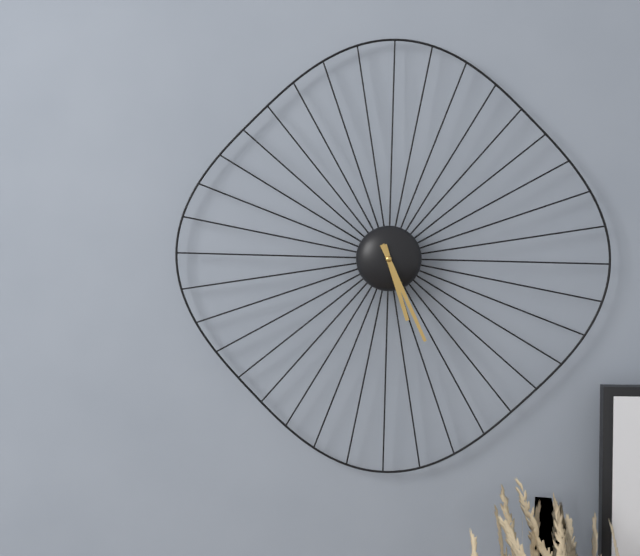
5:26
